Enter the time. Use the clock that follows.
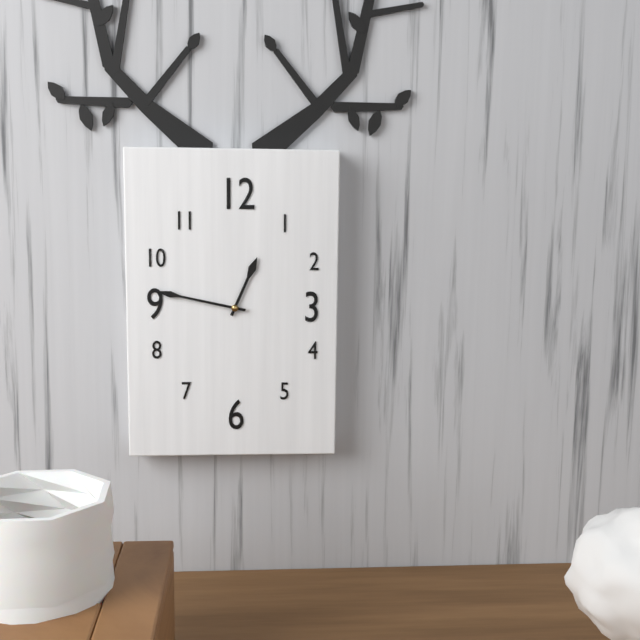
12:47
